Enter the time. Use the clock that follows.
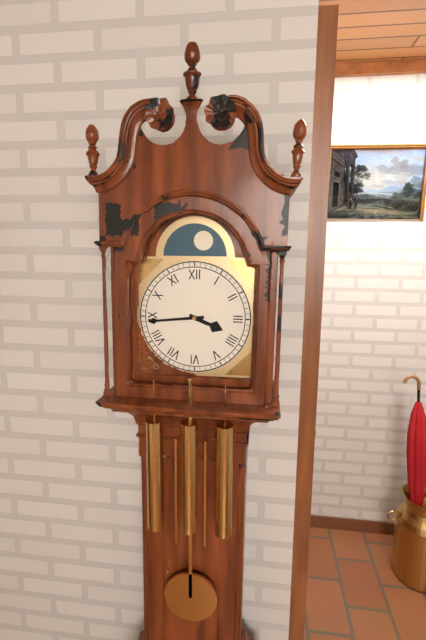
3:44
